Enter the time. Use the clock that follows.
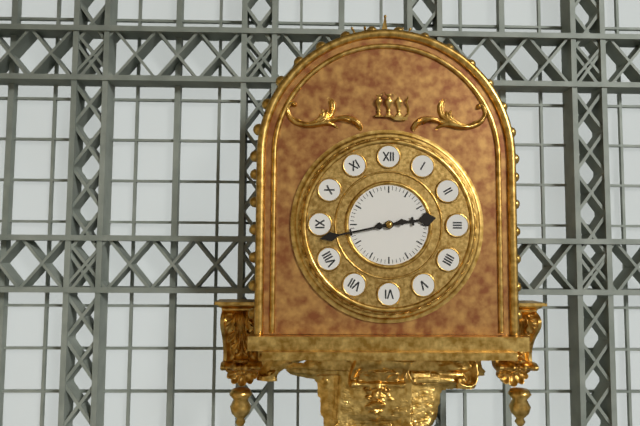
2:43
